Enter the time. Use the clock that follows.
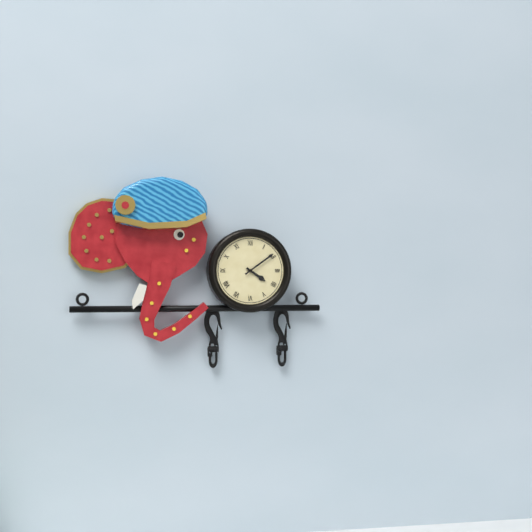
4:09
